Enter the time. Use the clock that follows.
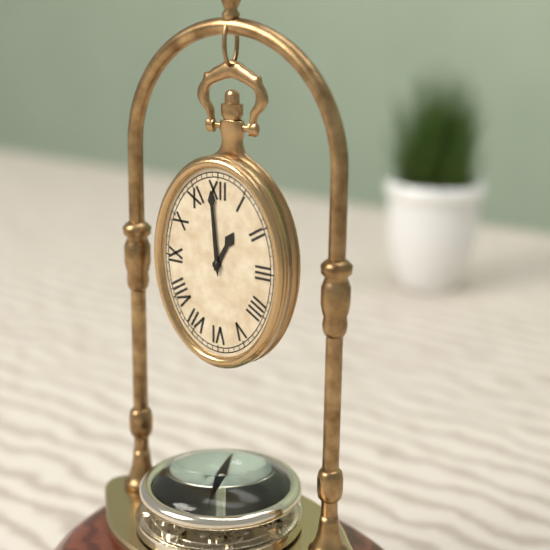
12:59
